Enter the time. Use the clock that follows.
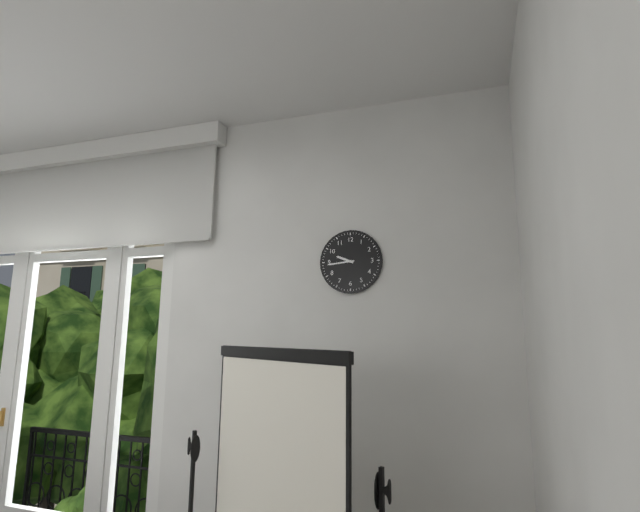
9:44
